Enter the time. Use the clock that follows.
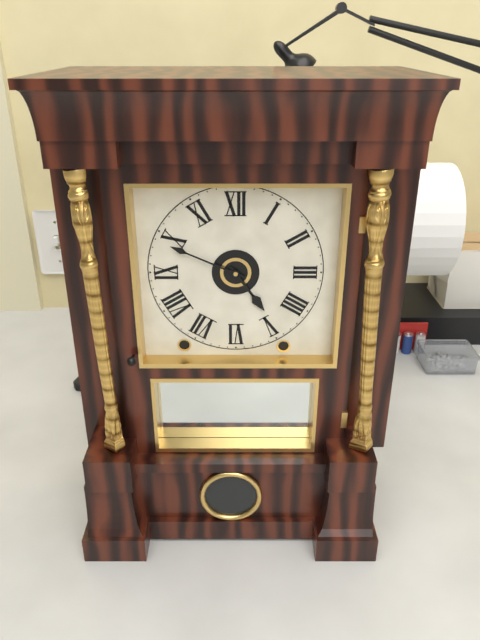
4:49
